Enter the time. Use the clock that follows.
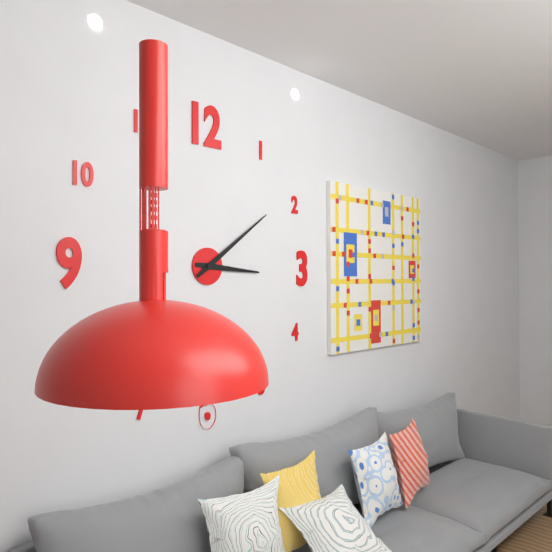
3:09
